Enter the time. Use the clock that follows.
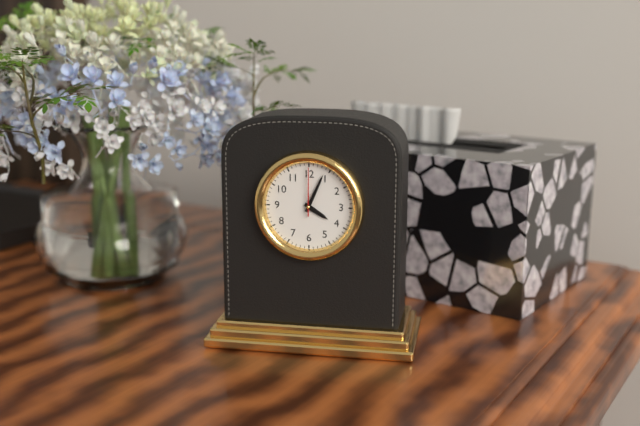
4:04
